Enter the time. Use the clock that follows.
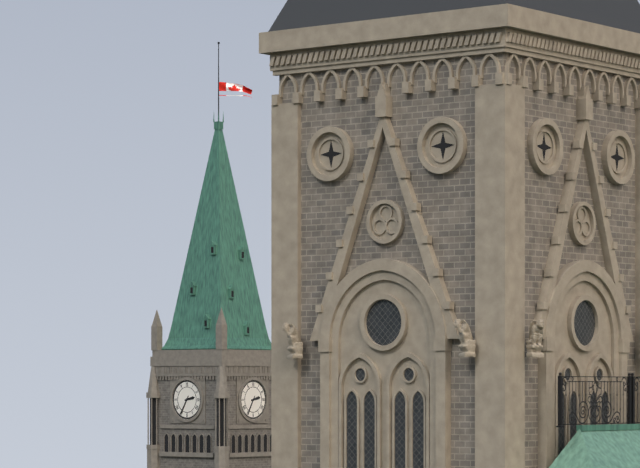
2:35
